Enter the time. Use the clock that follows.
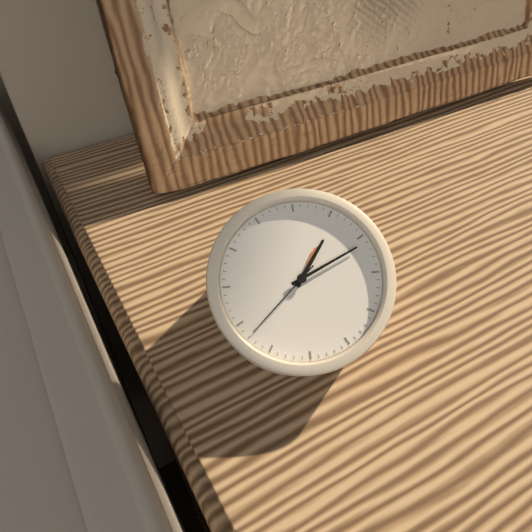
1:11:38
